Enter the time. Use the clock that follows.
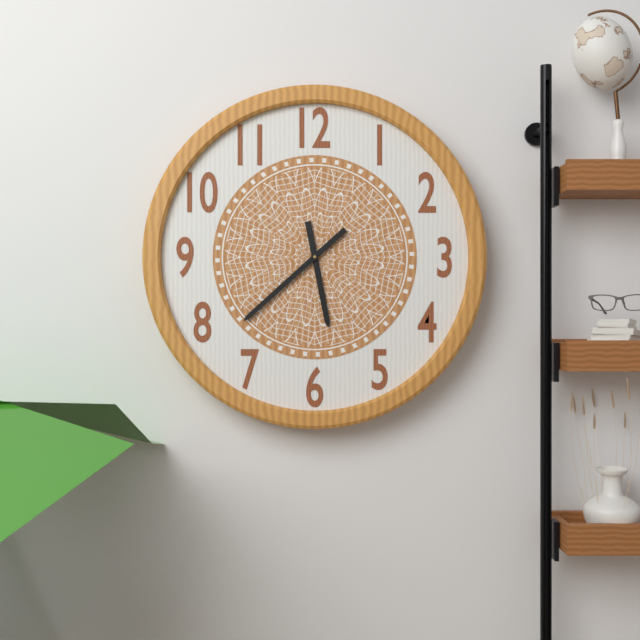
5:38
